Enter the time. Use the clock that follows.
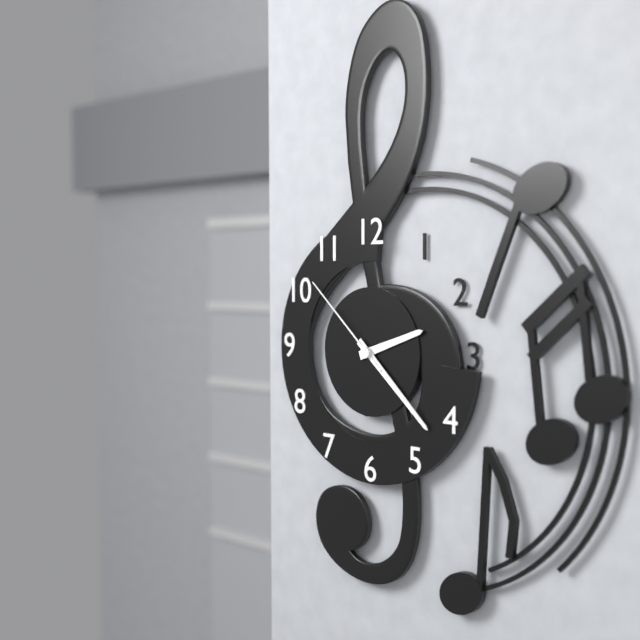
2:22:52
